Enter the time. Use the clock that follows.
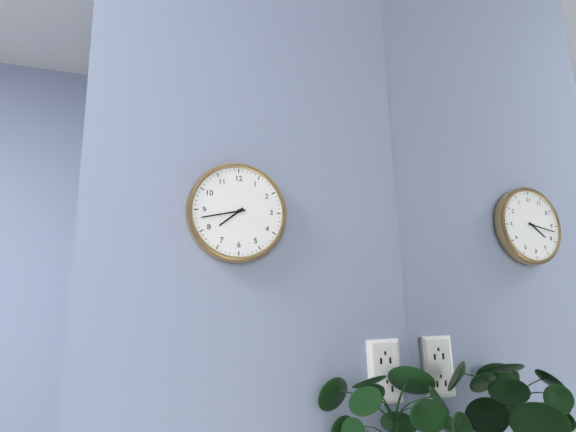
7:43
